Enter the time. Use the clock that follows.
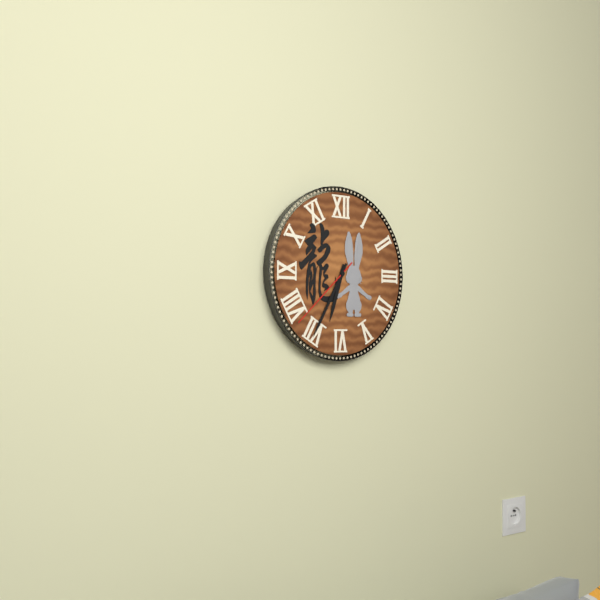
6:35:38
